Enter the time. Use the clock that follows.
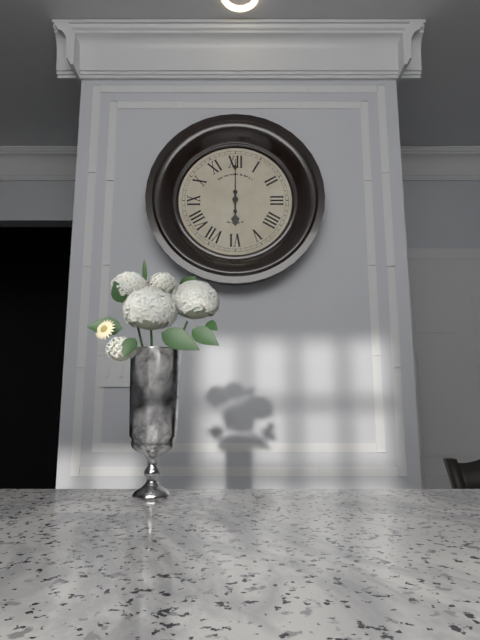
6:00
